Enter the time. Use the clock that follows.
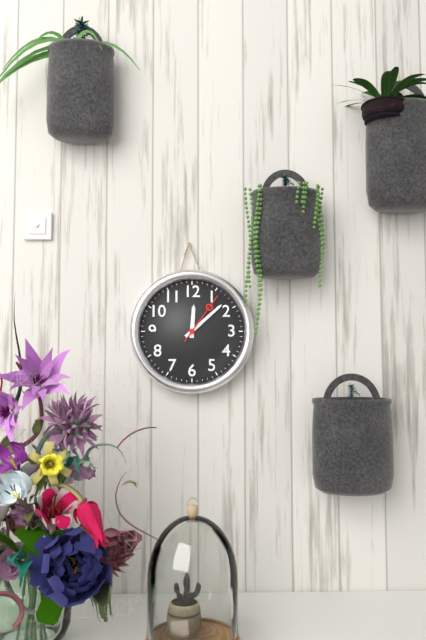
12:08:06
